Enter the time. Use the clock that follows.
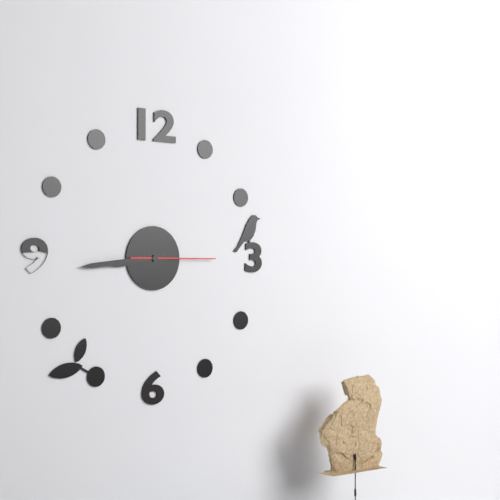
8:44
